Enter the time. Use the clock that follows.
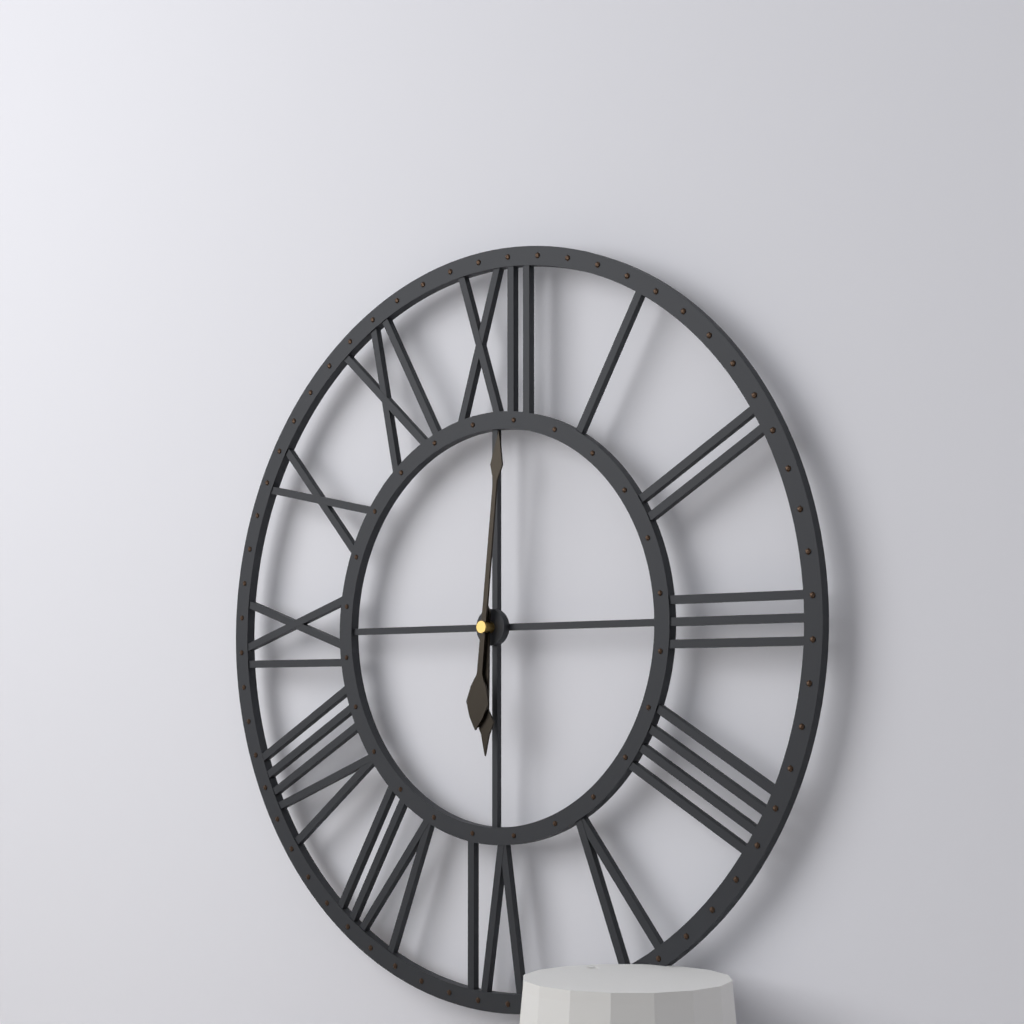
6:01
